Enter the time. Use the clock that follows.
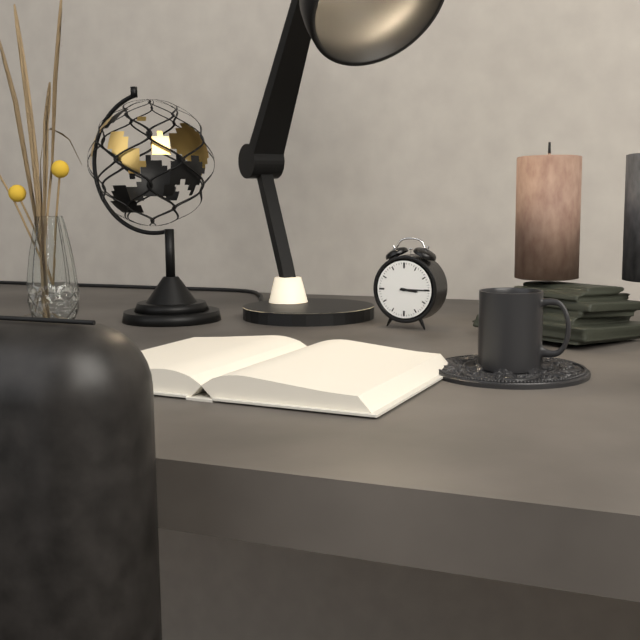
3:15
